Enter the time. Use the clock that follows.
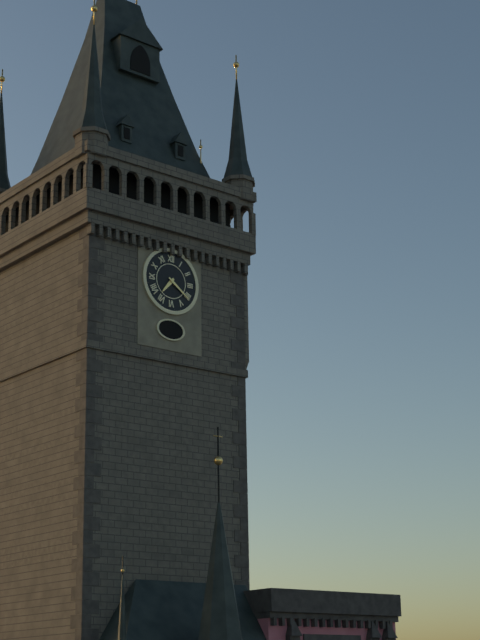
7:21
